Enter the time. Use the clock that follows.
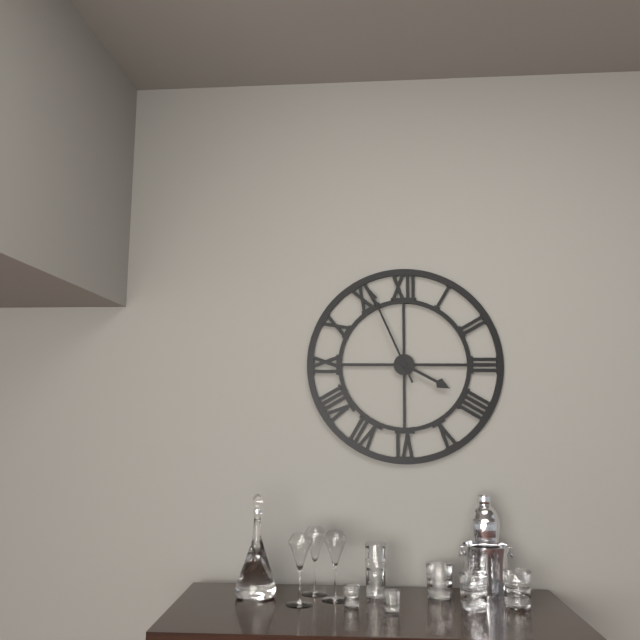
3:56
